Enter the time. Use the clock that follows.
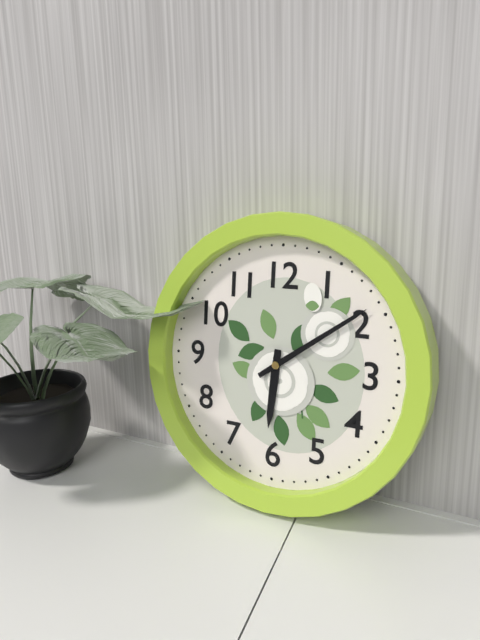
6:09
